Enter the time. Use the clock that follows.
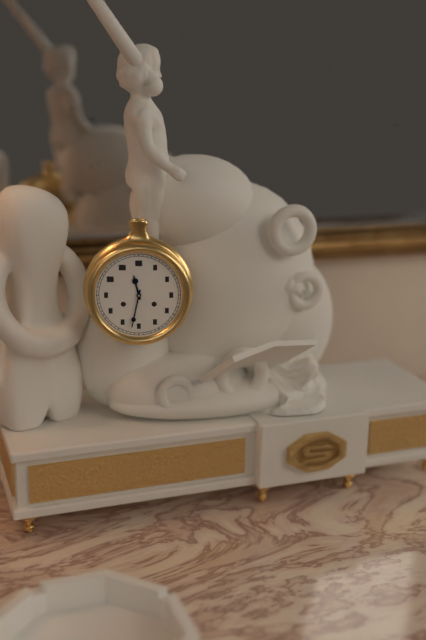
11:32
